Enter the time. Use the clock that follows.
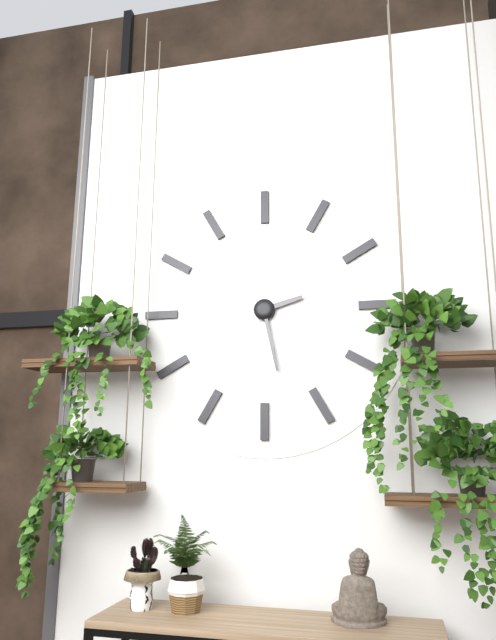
2:28
